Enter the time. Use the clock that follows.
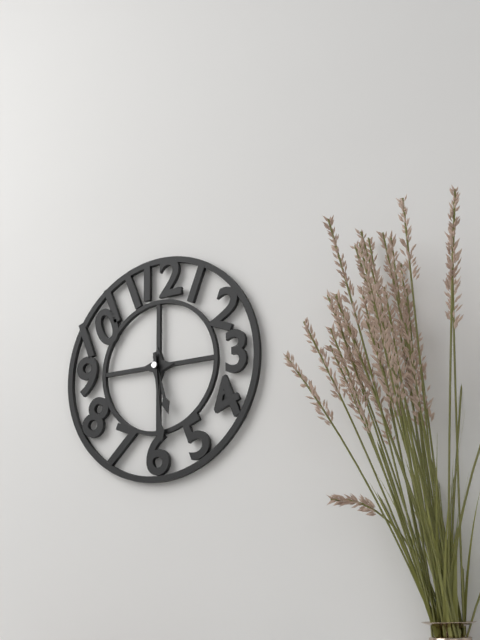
5:29
